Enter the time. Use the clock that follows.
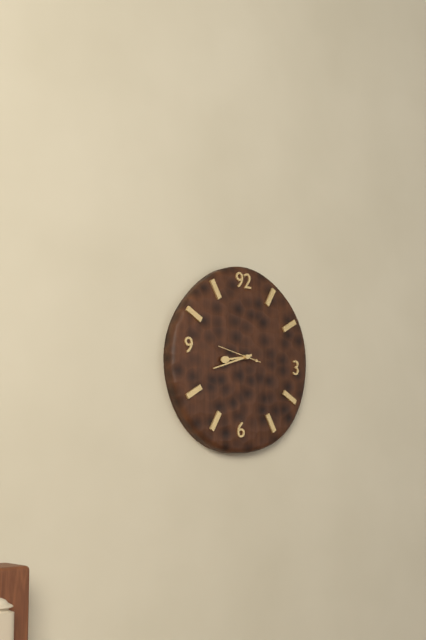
8:42
